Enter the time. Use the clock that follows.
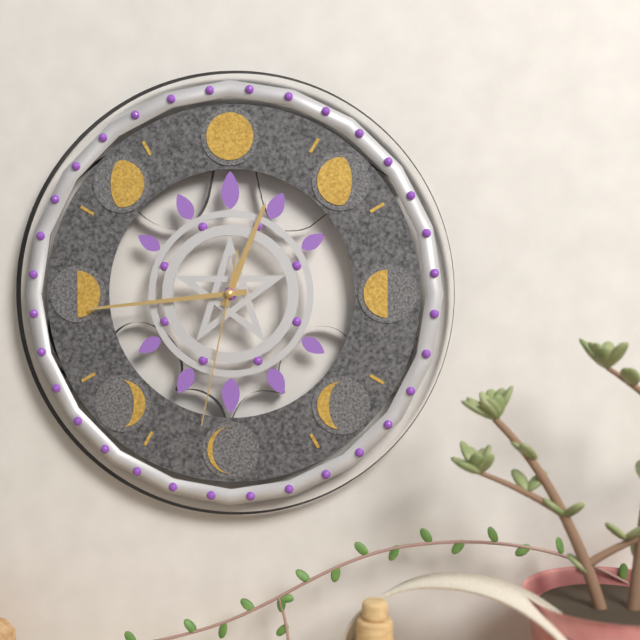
12:44:32
